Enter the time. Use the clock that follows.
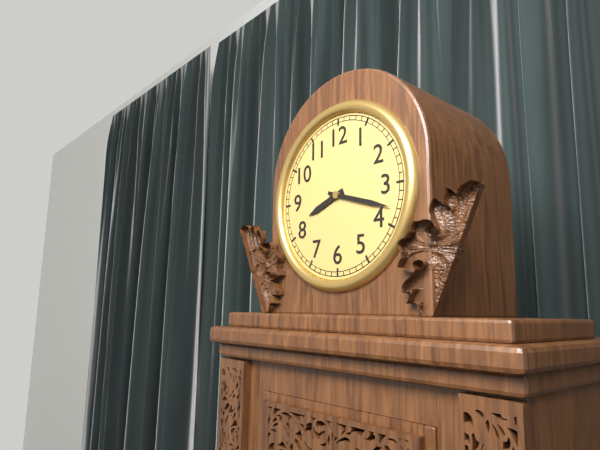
8:18
